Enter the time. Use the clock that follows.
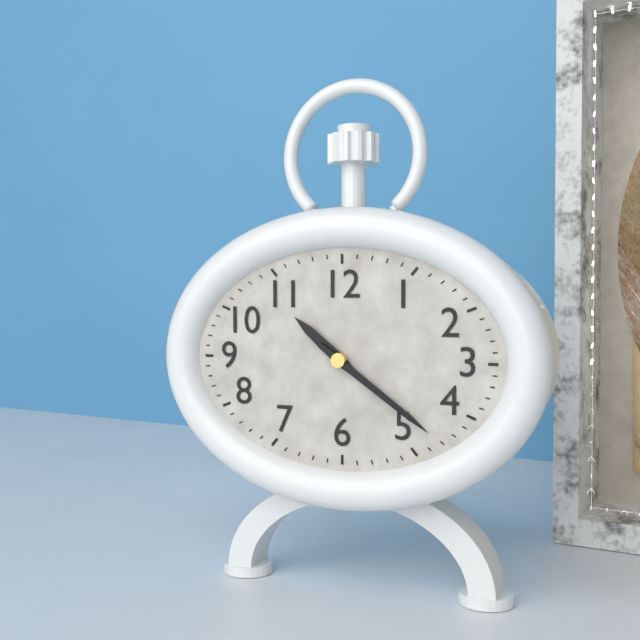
10:21
